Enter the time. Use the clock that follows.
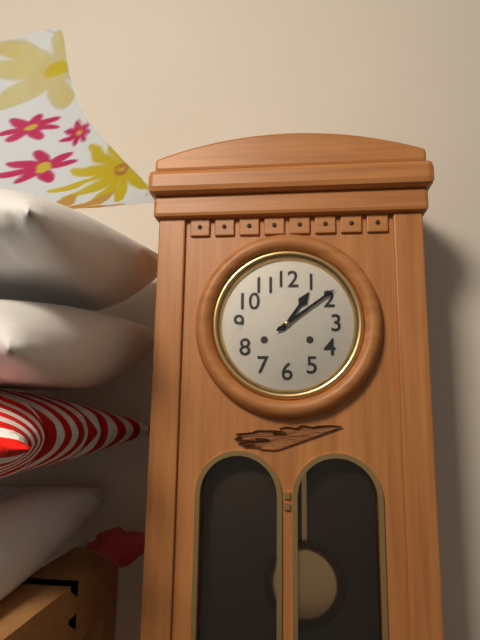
1:09
